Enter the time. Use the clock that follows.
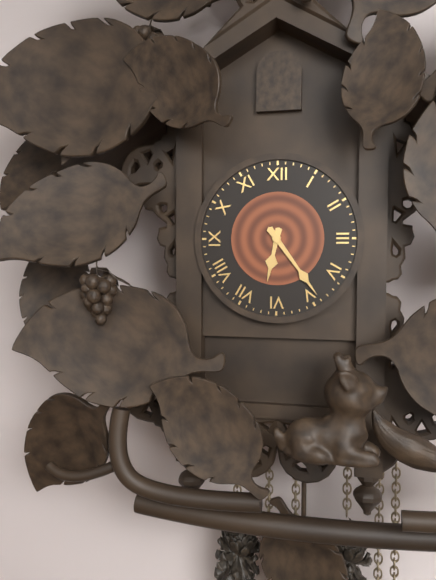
6:24
